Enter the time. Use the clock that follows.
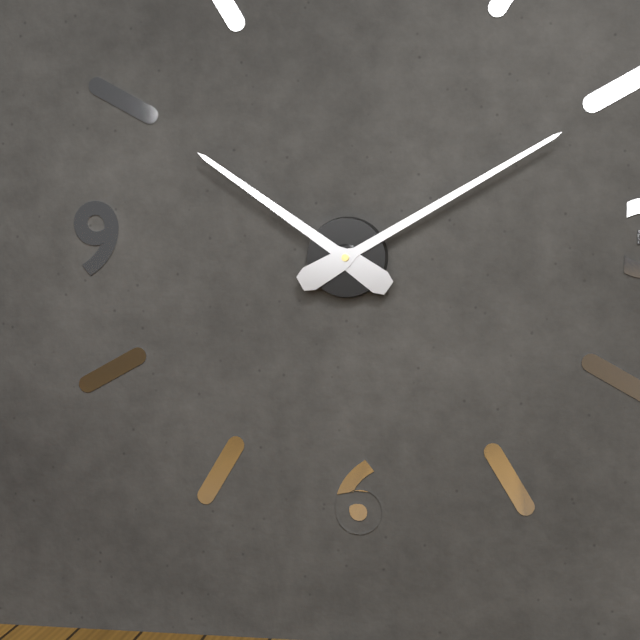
10:10
